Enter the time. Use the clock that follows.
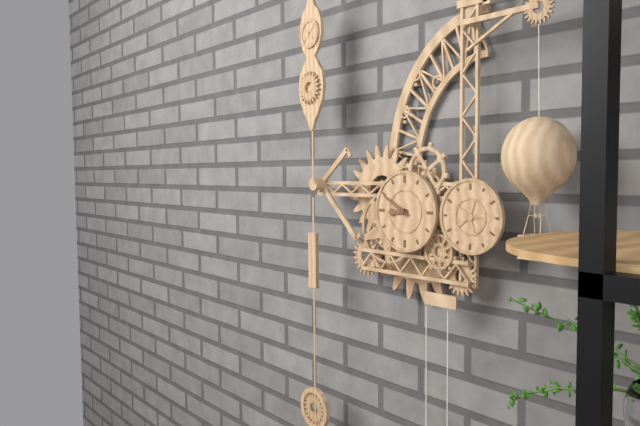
8:50
